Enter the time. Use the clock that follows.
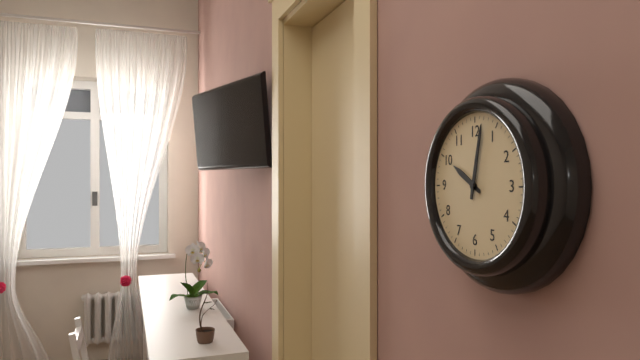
10:02
